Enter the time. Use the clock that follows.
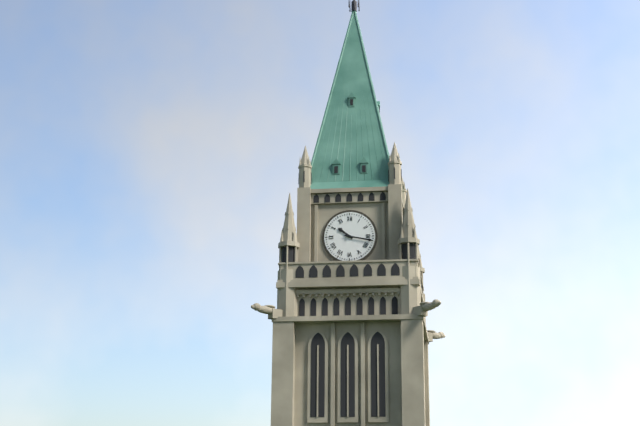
10:17
